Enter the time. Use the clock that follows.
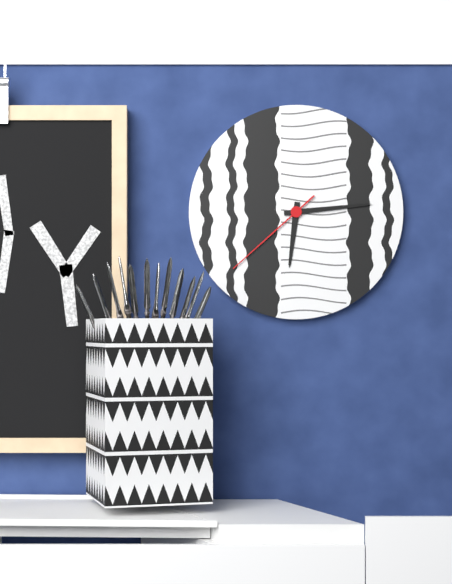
6:14:38
